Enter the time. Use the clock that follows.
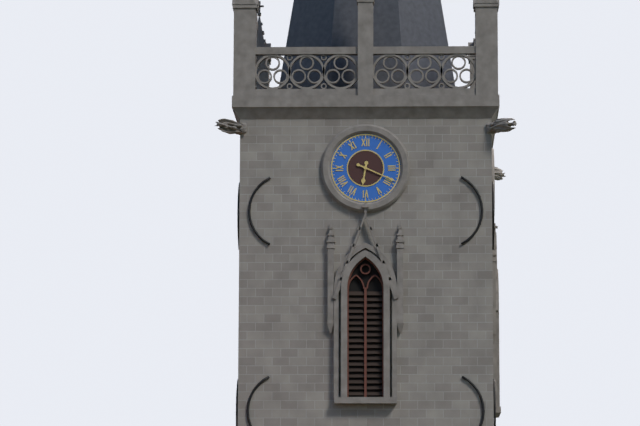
6:19
